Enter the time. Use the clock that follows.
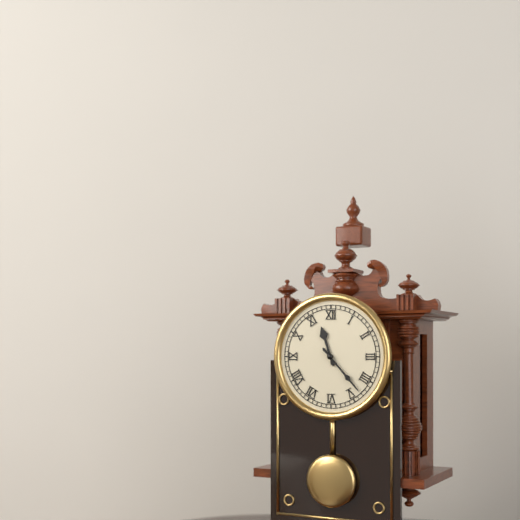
11:23
